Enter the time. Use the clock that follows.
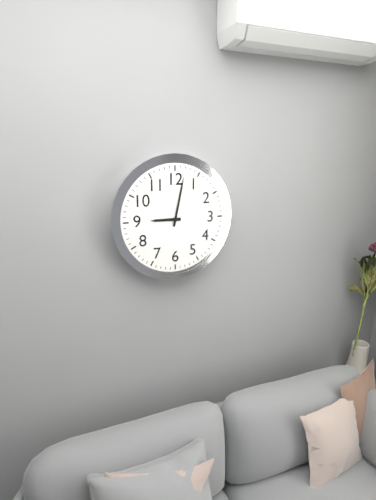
9:02
